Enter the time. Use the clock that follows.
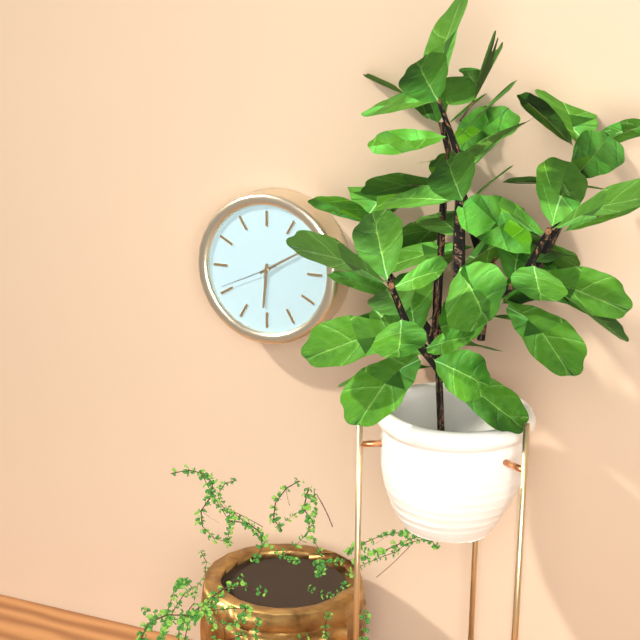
6:10:41
